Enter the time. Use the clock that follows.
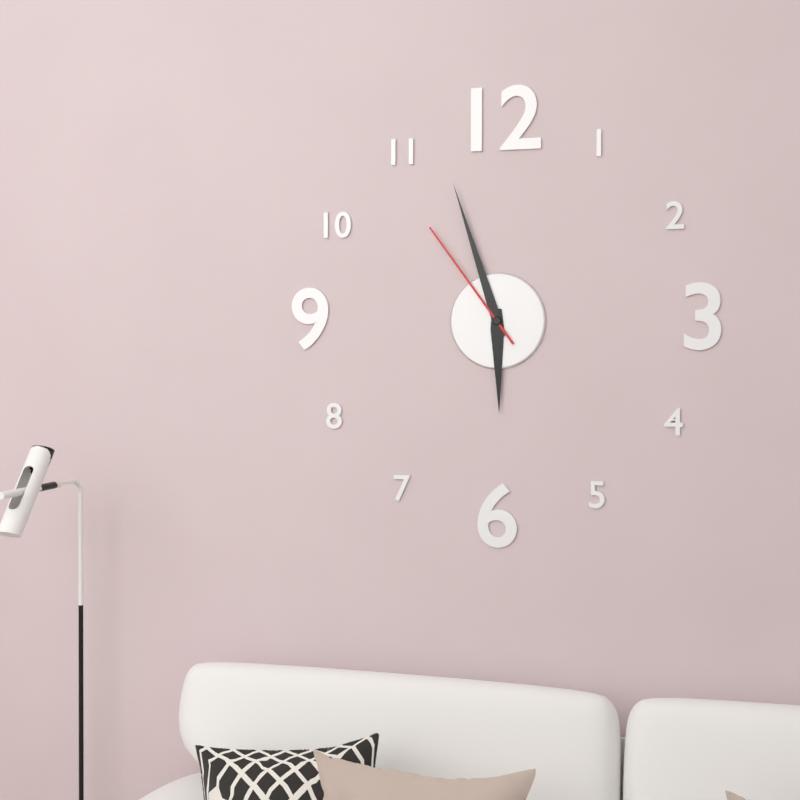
5:57:54
